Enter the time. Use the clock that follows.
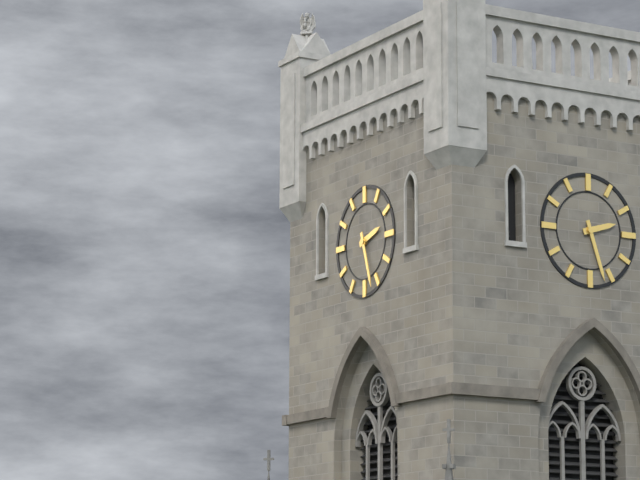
2:27
